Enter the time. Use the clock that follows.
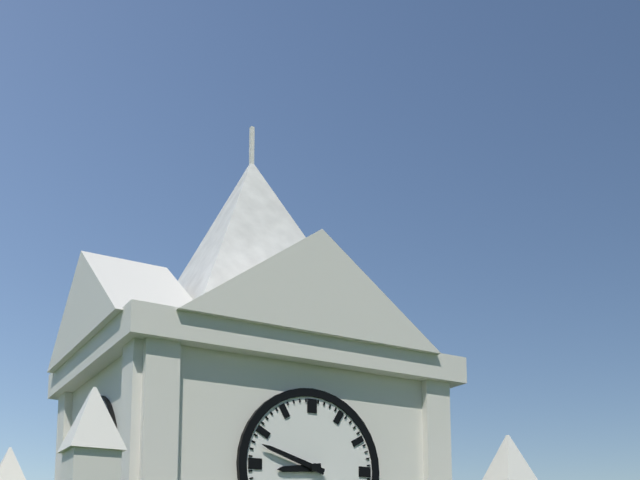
8:48
